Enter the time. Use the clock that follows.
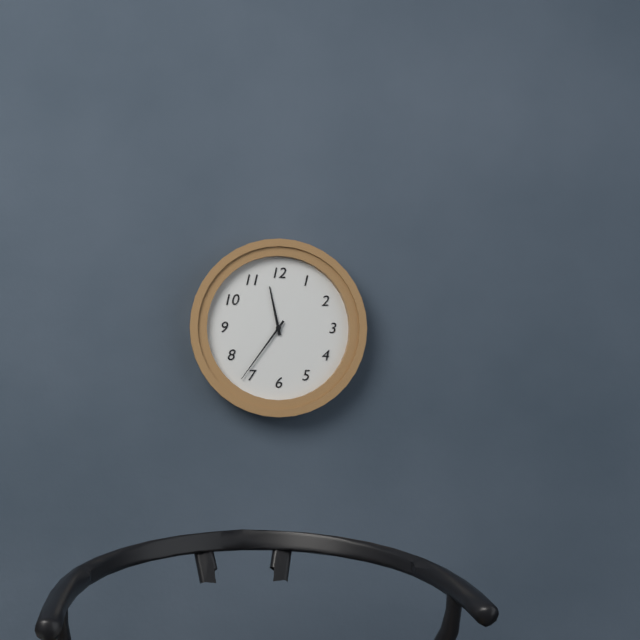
11:36
